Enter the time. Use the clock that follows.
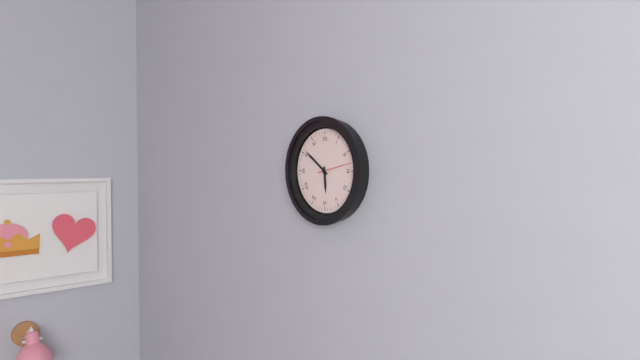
5:51
